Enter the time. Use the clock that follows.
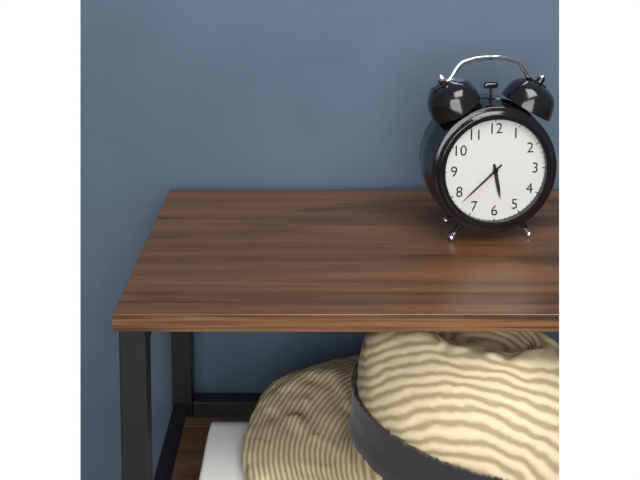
5:38
